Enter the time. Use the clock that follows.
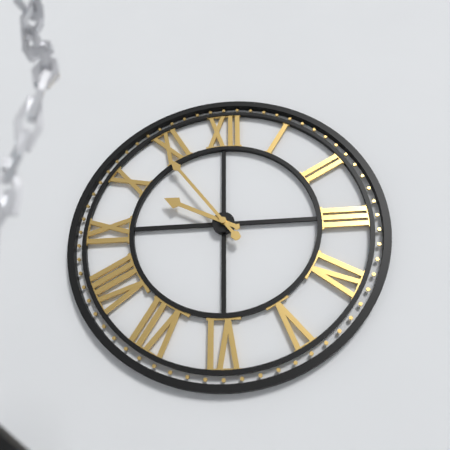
9:54
